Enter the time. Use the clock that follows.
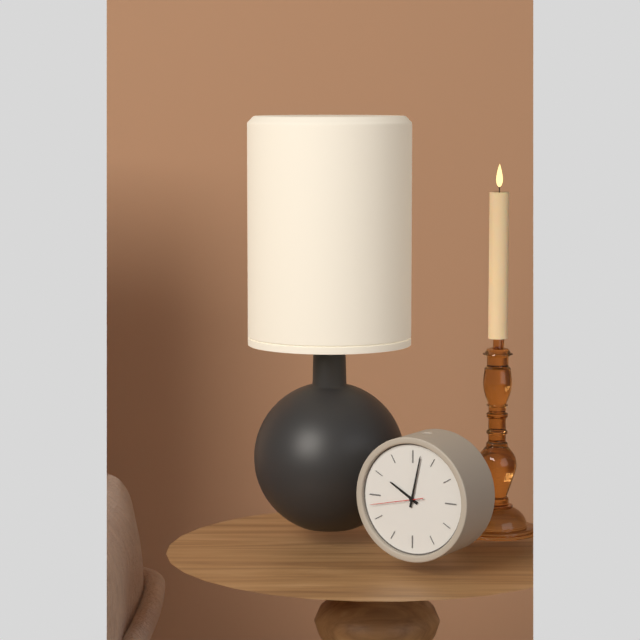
10:02:43
